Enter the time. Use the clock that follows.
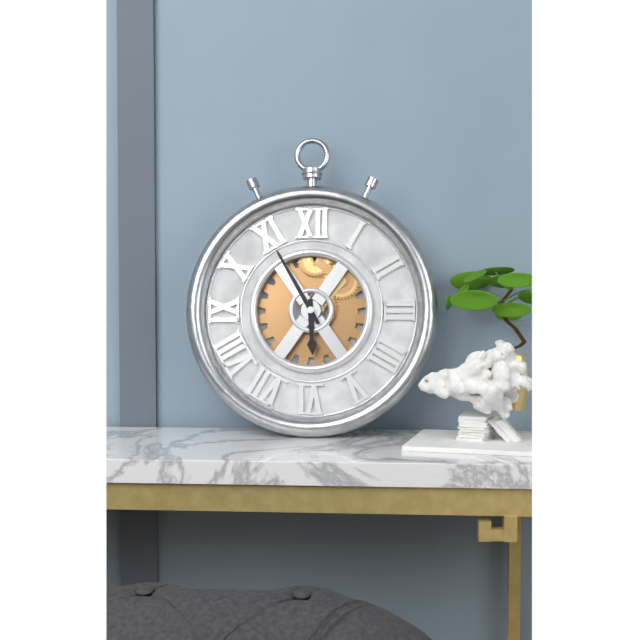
5:55
